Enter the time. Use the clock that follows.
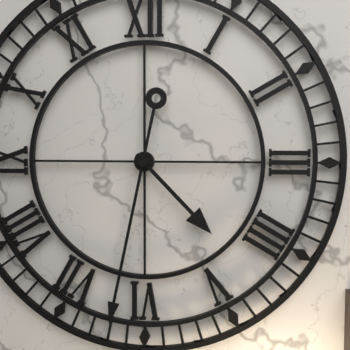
4:32
